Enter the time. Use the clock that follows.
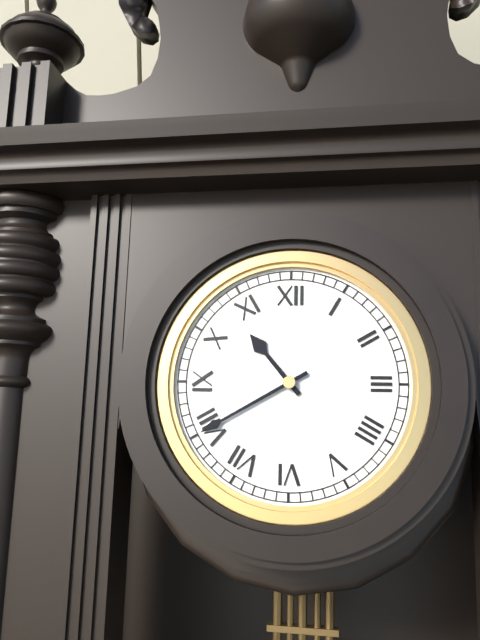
10:40
